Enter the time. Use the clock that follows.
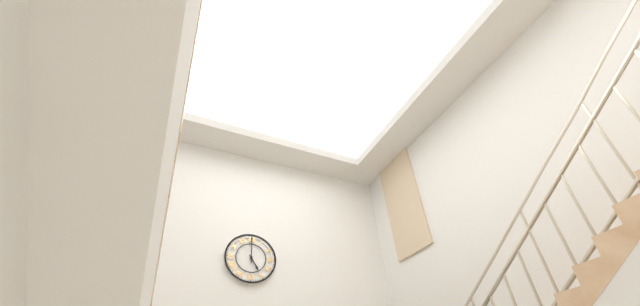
5:00
